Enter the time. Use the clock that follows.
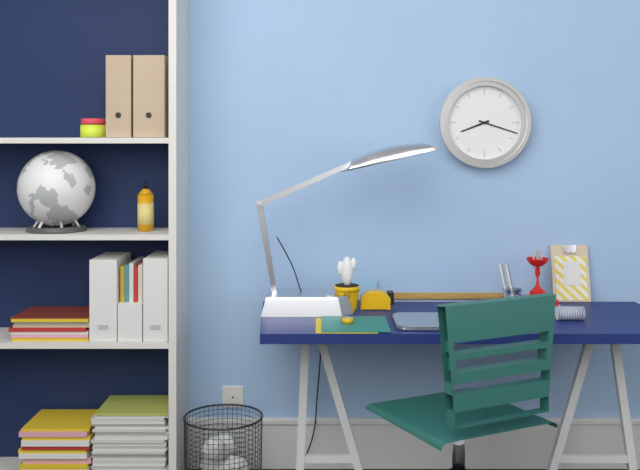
8:18
